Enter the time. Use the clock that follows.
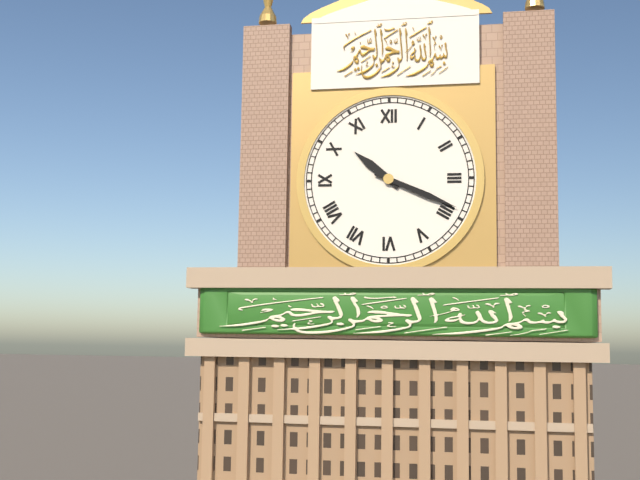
10:19
